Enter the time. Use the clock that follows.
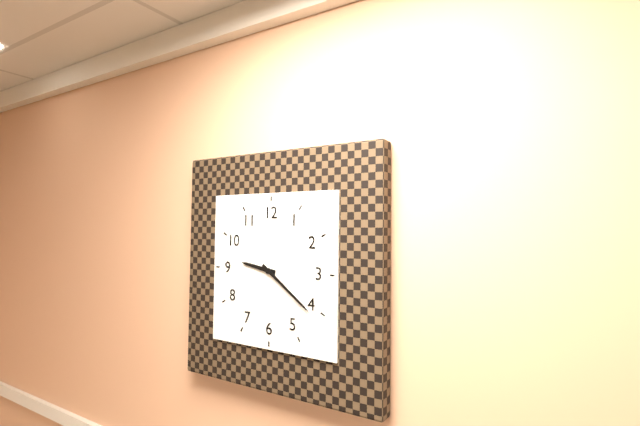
9:21
